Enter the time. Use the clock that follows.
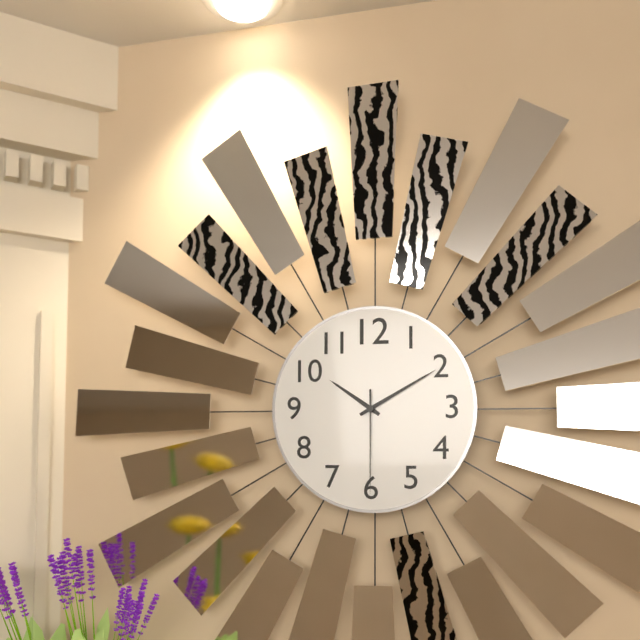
10:10:30
